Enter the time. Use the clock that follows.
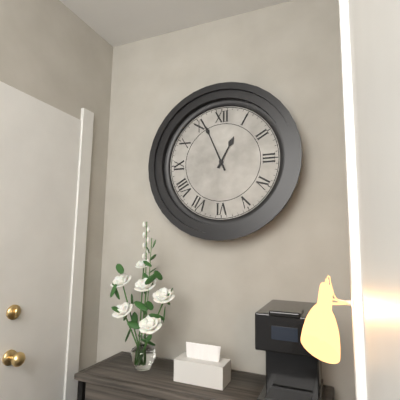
12:56
